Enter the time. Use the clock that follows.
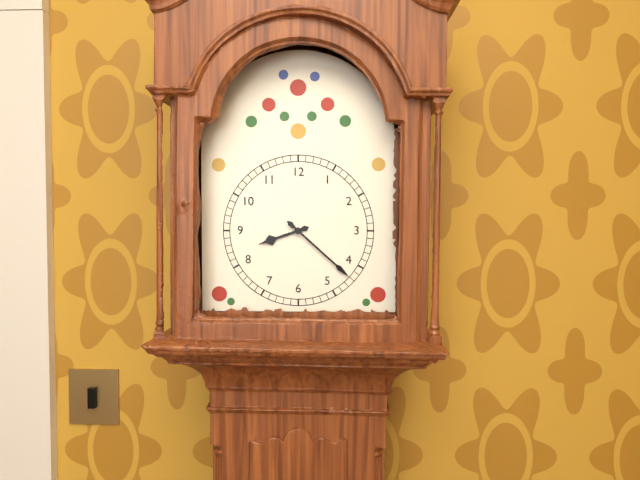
8:22
